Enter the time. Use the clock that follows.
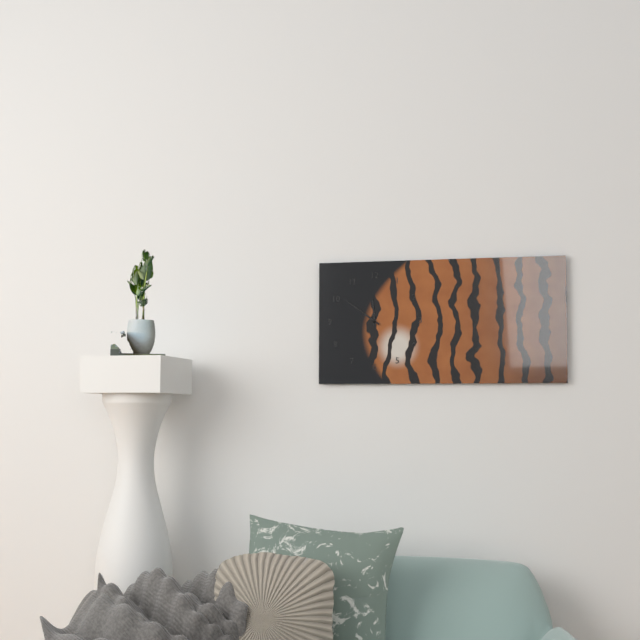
11:51
